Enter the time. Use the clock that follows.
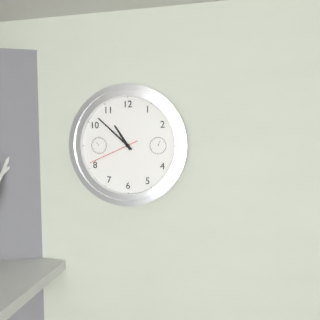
10:52:41
